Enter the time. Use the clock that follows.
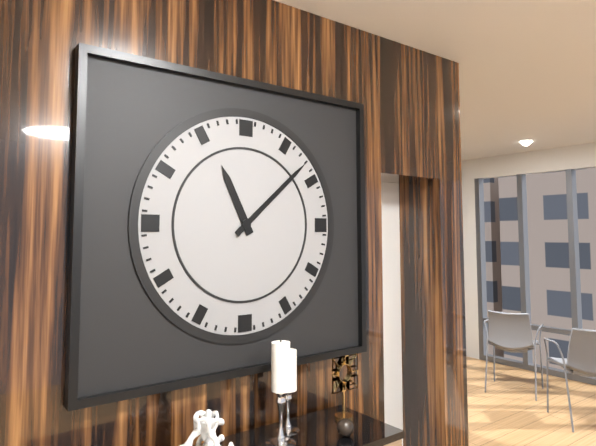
11:08
